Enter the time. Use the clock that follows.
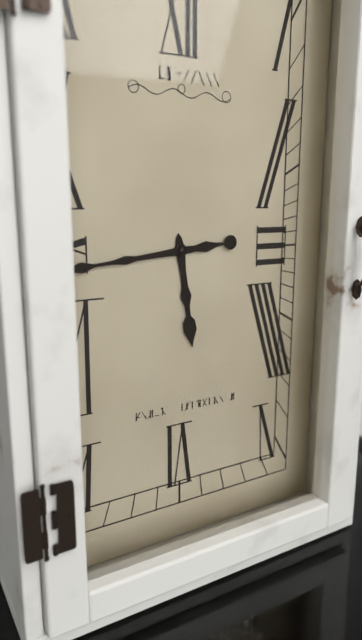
5:44
